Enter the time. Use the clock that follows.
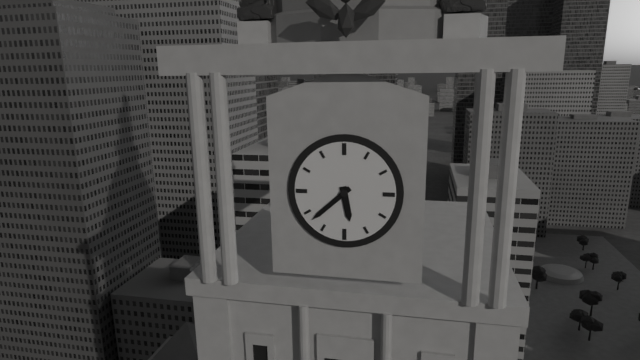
5:38
